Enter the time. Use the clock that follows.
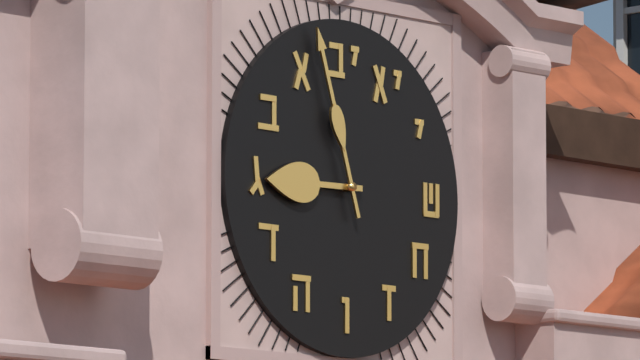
8:57
